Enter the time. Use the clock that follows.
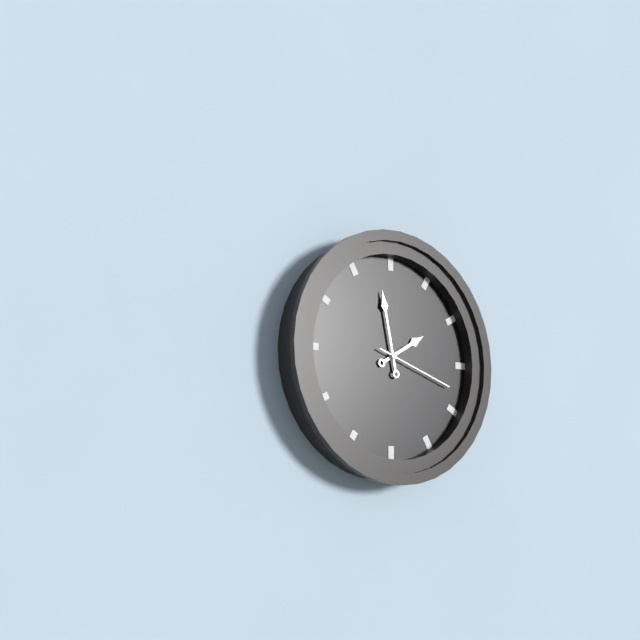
1:58:18
